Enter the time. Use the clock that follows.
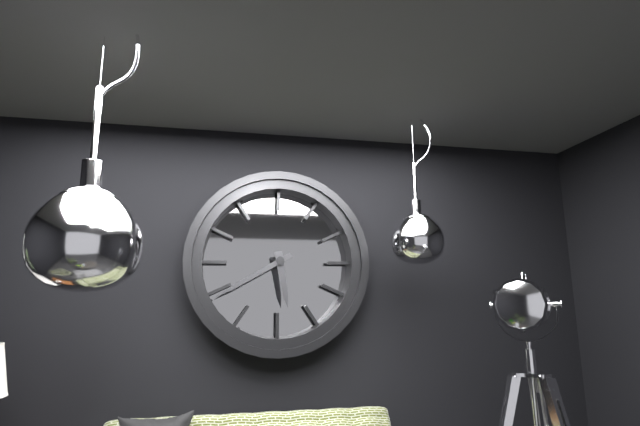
5:40
